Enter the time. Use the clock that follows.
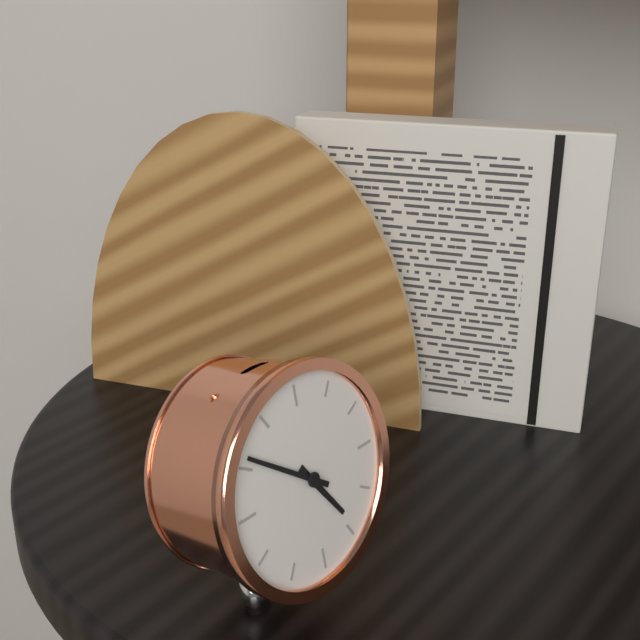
4:51
